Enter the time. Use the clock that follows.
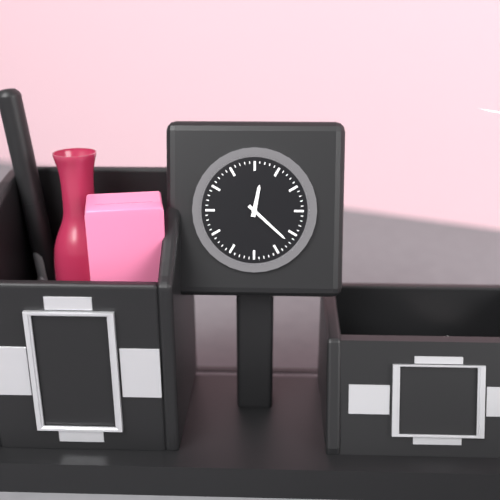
12:22
